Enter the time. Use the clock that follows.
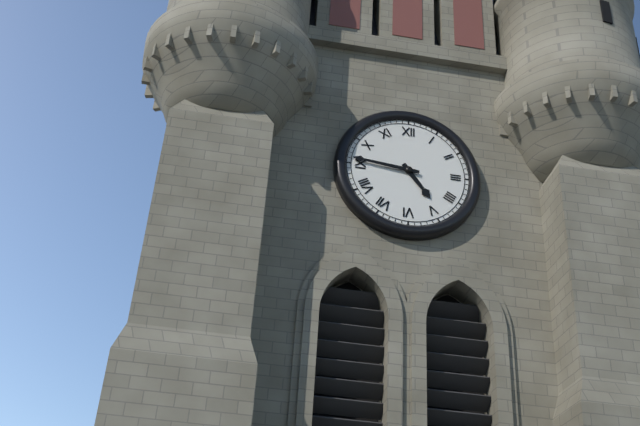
4:46
